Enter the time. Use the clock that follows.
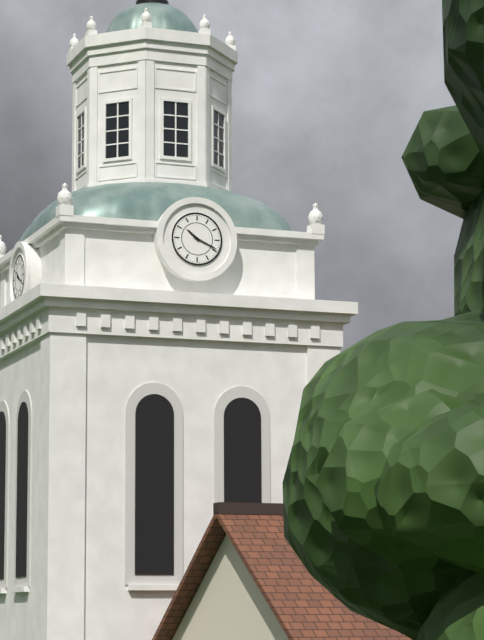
10:19
